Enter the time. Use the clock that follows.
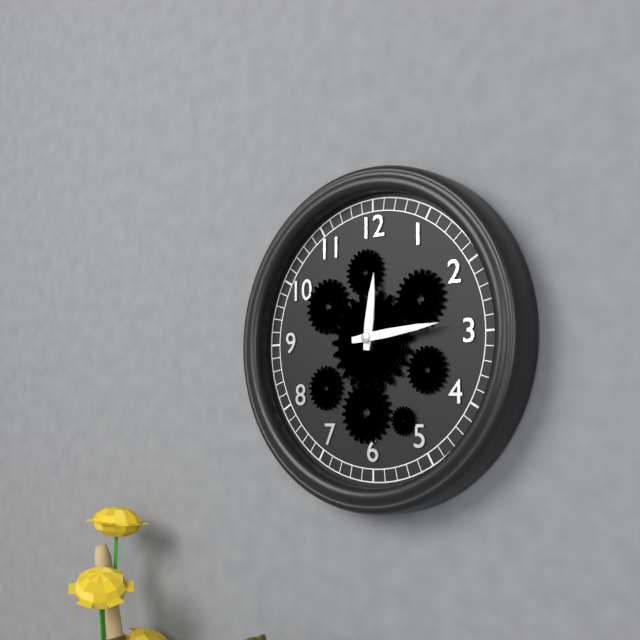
12:14
